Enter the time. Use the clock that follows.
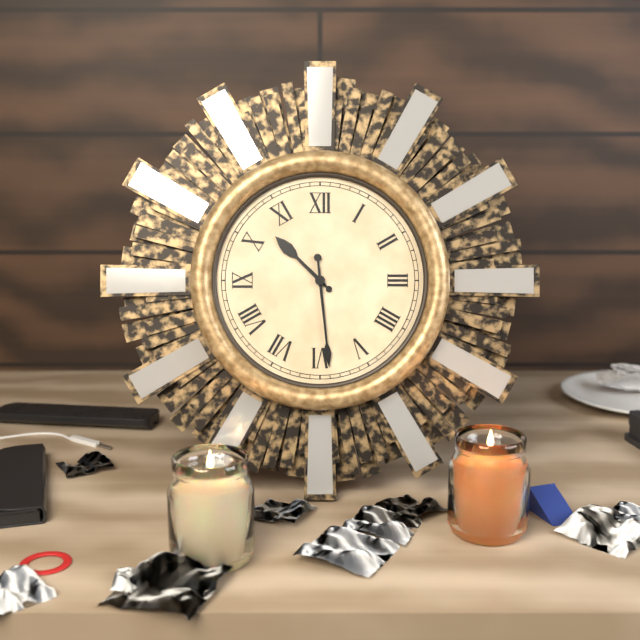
10:29
